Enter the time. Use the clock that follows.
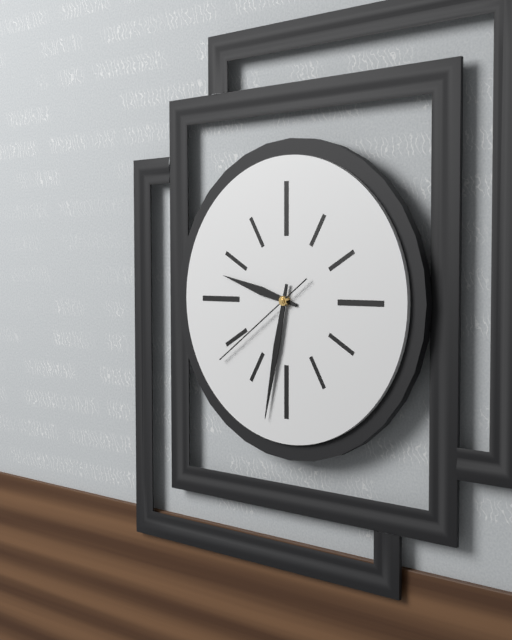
9:32:39
